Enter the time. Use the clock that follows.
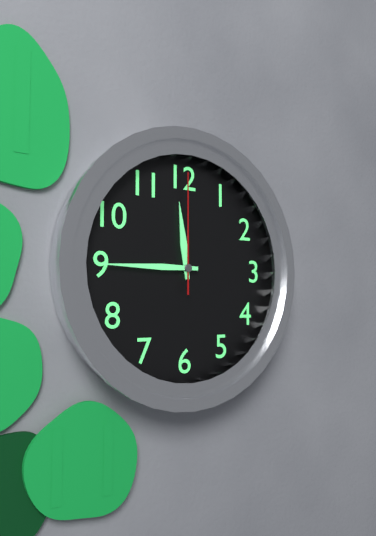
11:45:00
